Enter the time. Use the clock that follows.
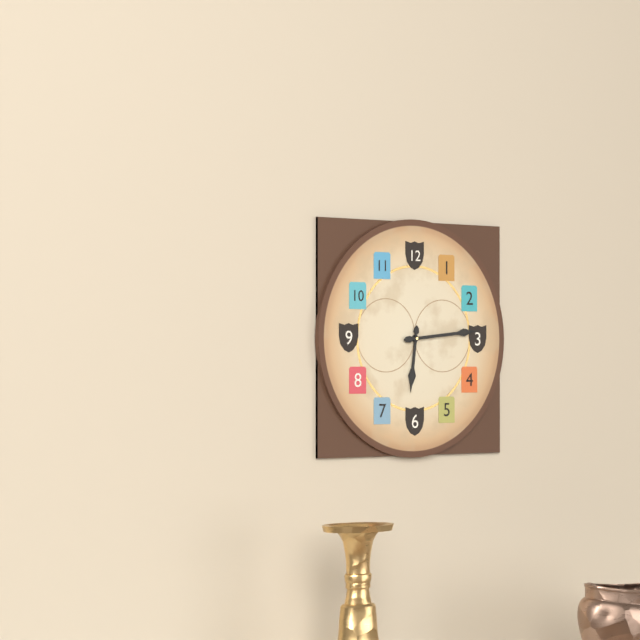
6:14
